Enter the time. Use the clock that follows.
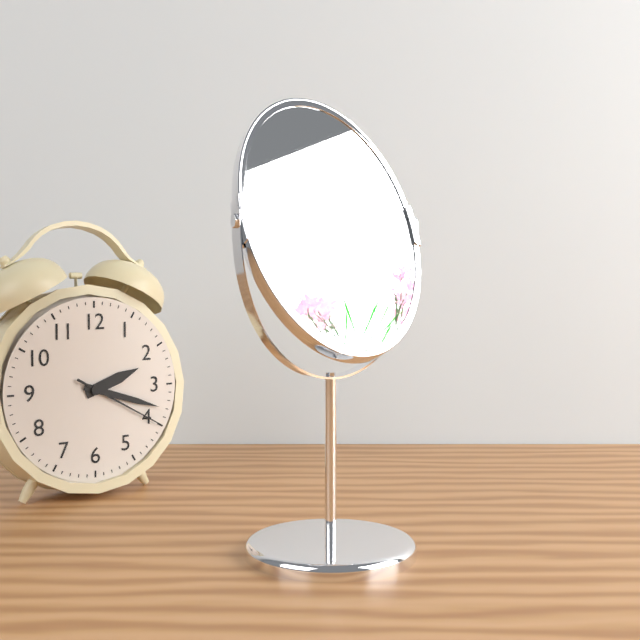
2:18:20
